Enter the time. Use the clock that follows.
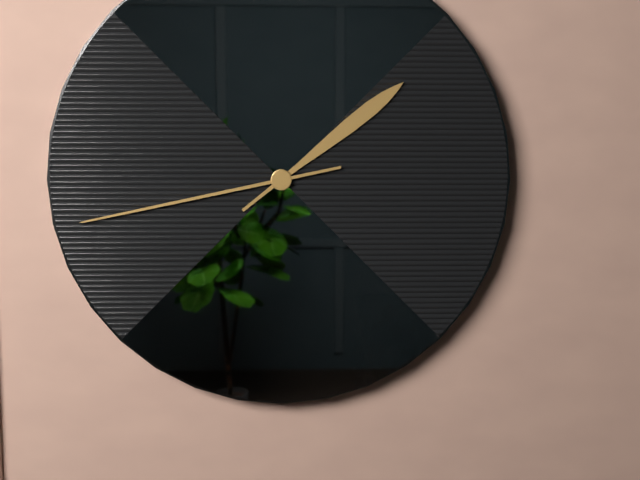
1:43
